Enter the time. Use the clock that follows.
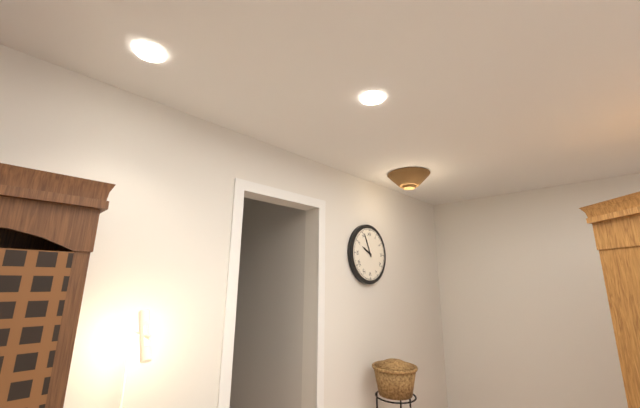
9:56
